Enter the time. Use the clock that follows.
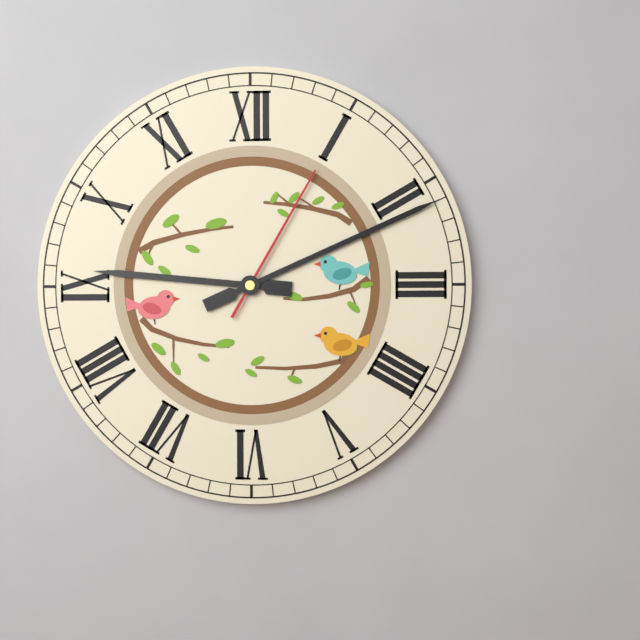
9:11:05
